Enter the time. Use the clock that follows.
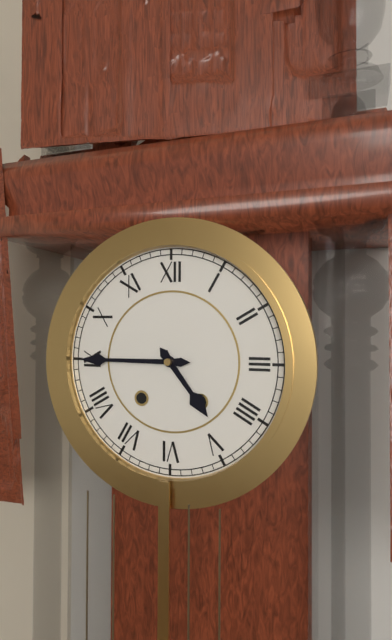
4:45
